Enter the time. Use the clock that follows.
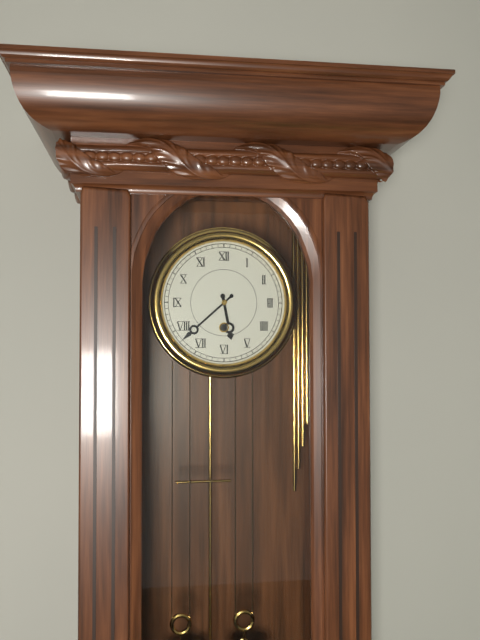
5:38
